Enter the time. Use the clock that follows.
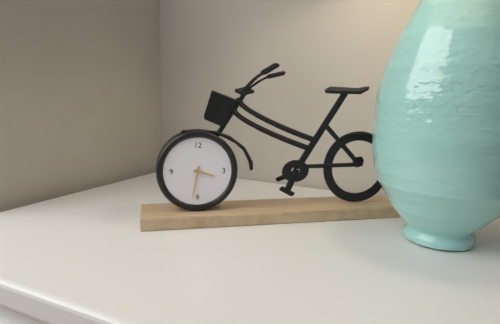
3:32
